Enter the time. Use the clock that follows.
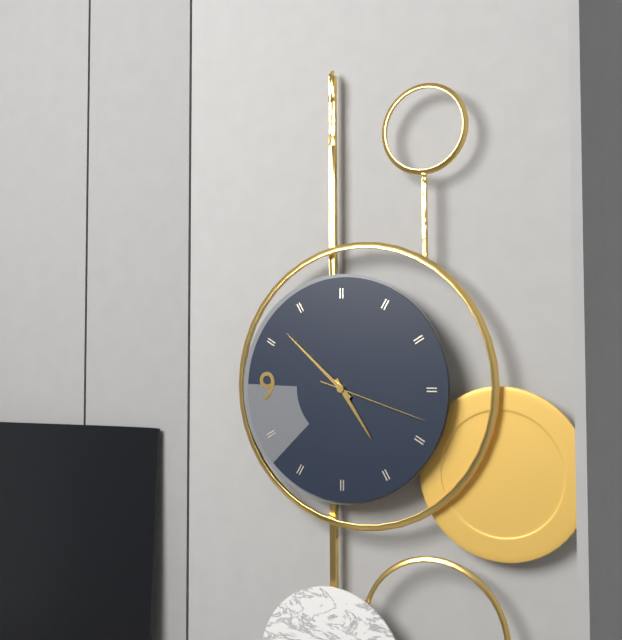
4:52:18
